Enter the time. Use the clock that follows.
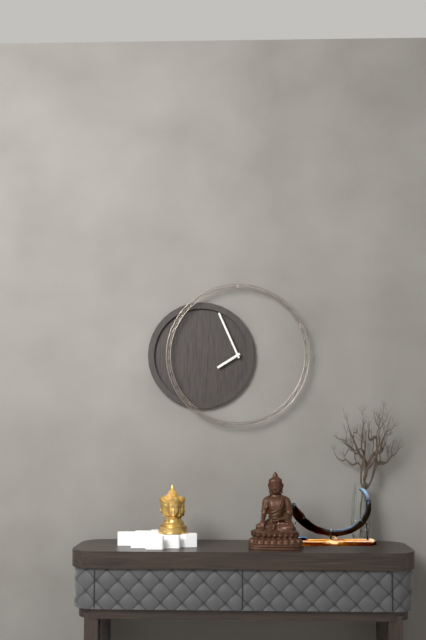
7:56
